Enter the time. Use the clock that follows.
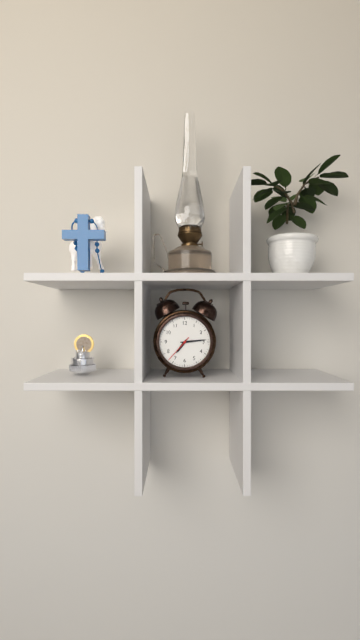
7:14
